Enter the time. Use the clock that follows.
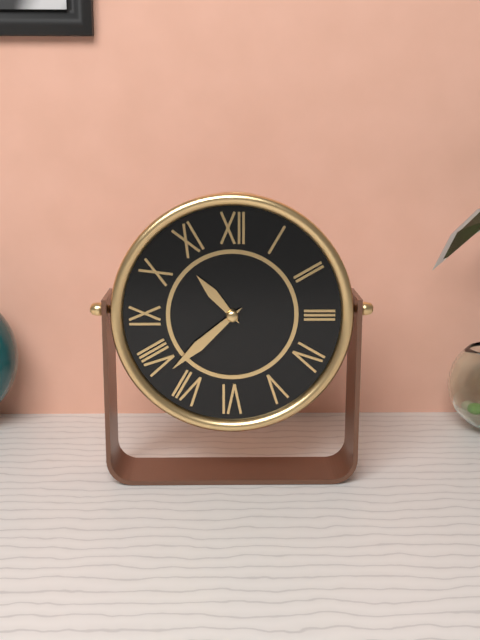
10:38
